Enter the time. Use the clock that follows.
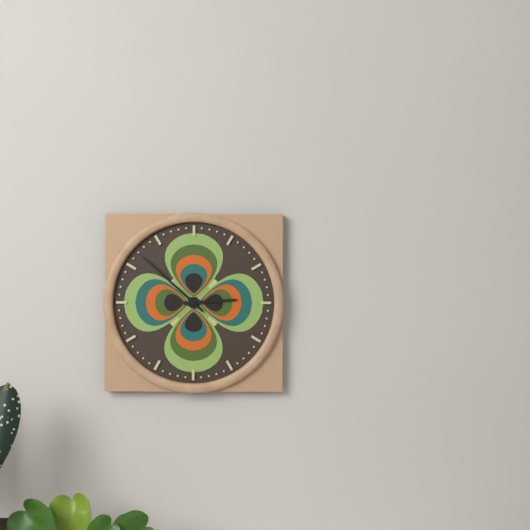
2:52
